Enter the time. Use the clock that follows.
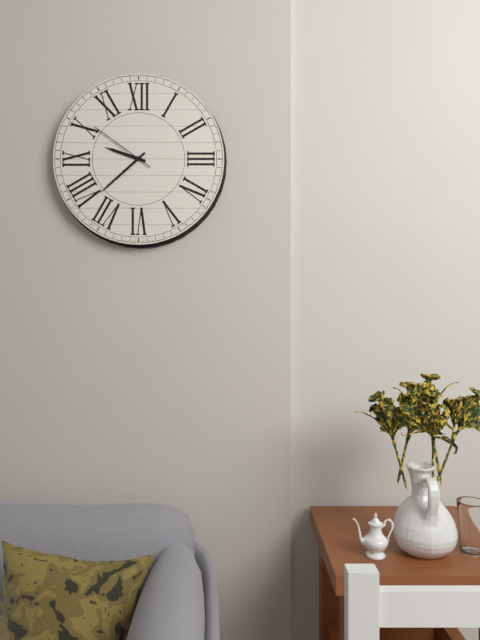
9:38:51
